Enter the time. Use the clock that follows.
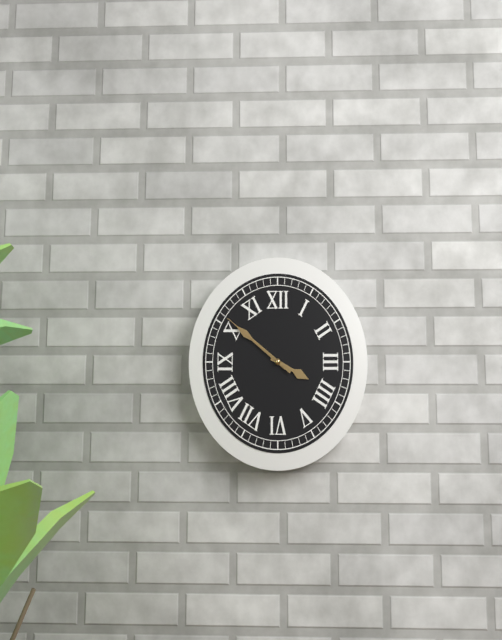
3:51:51
